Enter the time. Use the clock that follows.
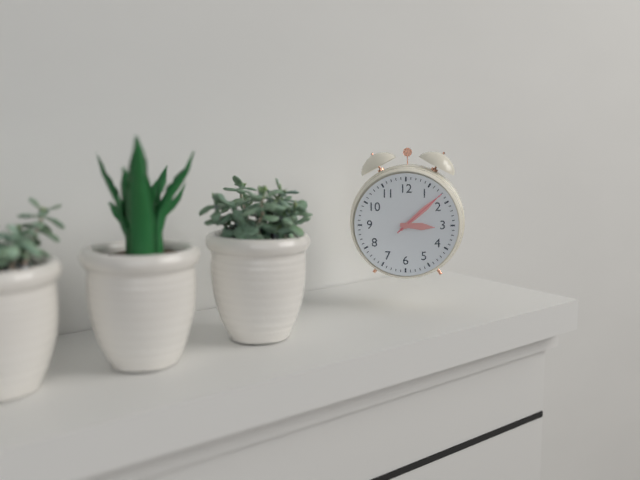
3:08:08
